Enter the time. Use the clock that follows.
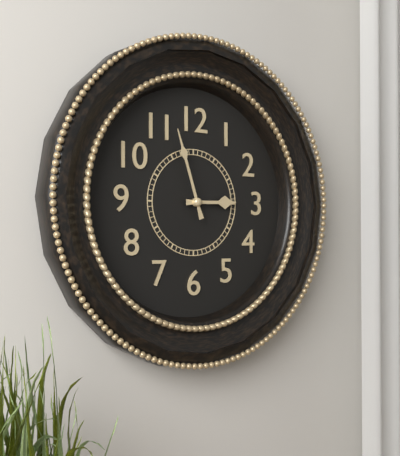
2:57
